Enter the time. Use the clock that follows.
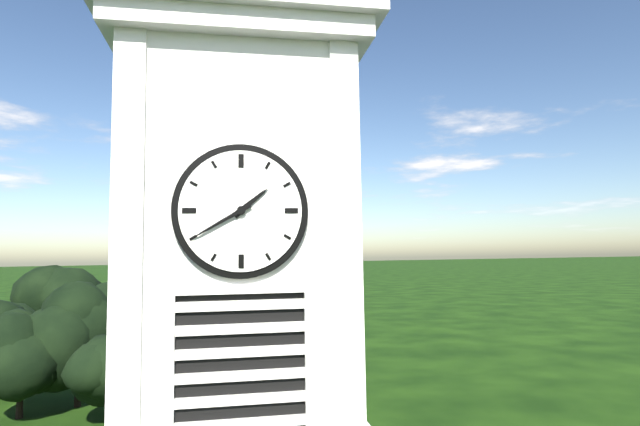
1:40
